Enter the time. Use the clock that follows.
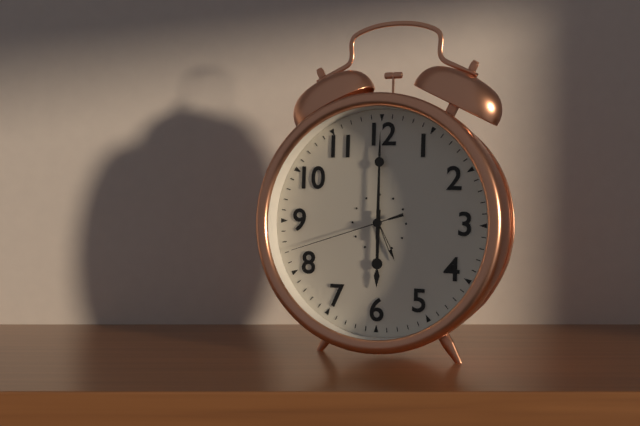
6:00:42
